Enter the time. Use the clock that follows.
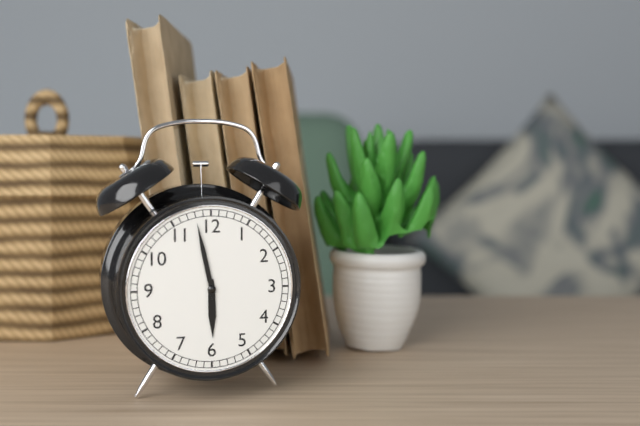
5:58
